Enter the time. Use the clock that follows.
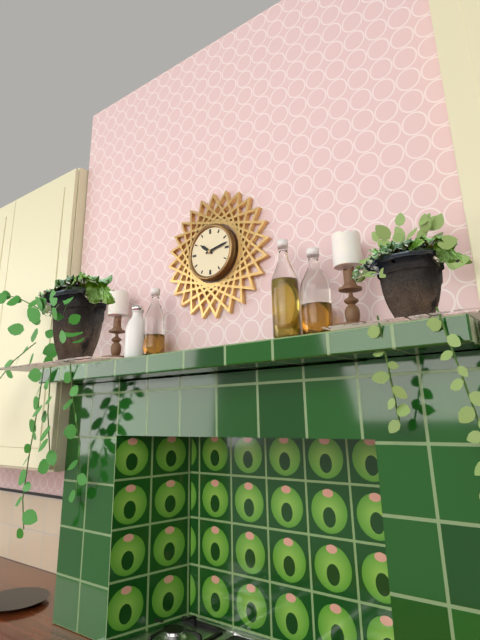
10:13
